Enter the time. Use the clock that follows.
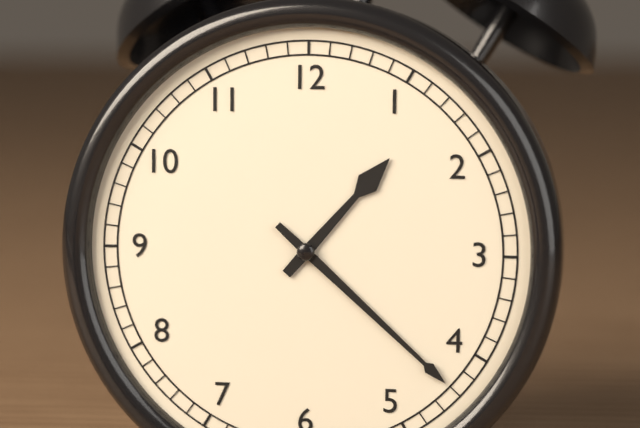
1:22
